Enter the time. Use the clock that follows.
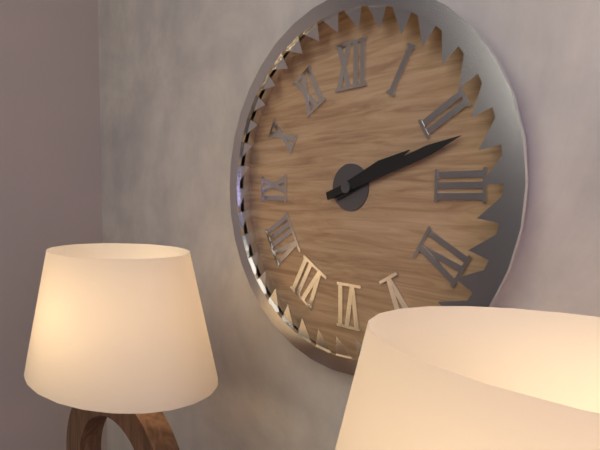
2:12
